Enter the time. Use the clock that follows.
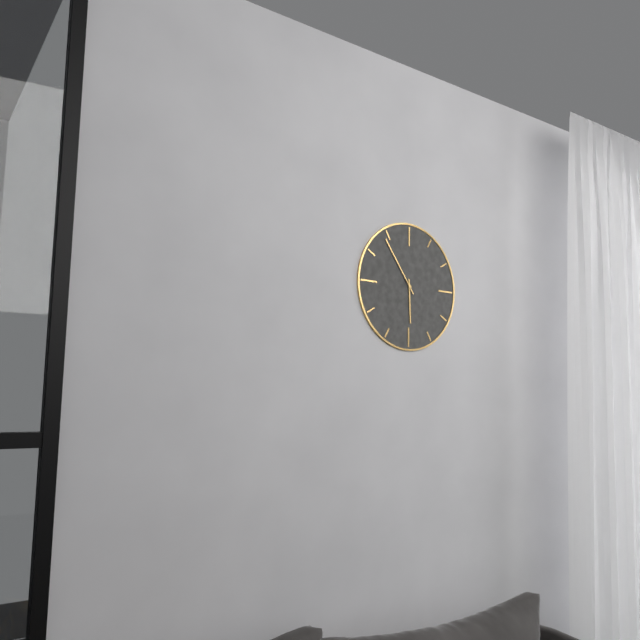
5:54
